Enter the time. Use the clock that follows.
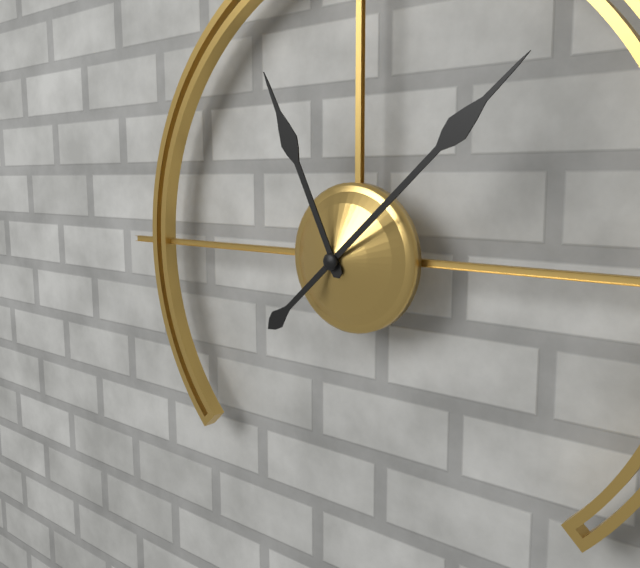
11:08
